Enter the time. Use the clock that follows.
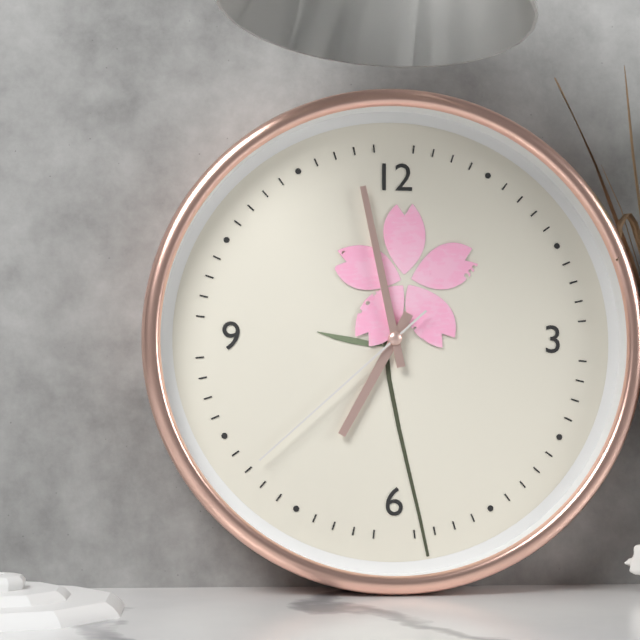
6:58:38
